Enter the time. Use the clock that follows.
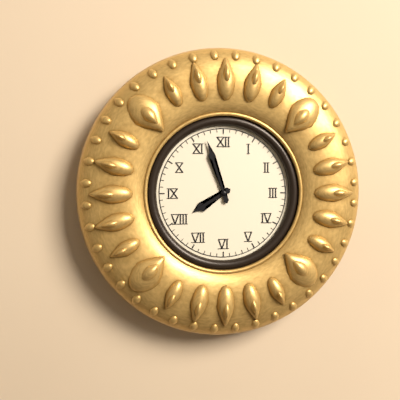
7:57
